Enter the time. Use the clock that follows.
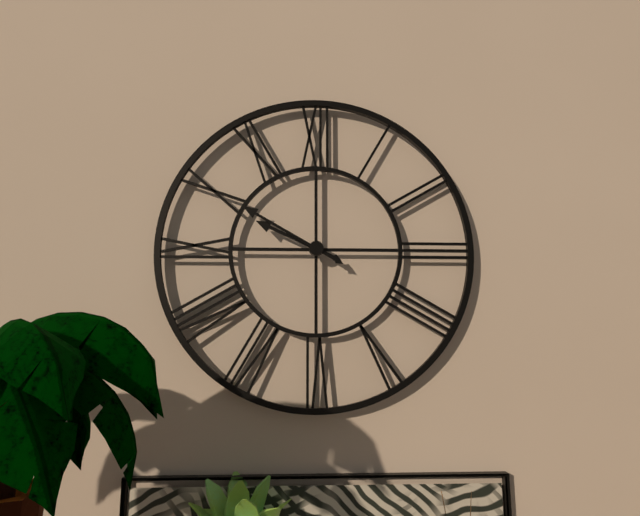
9:50
